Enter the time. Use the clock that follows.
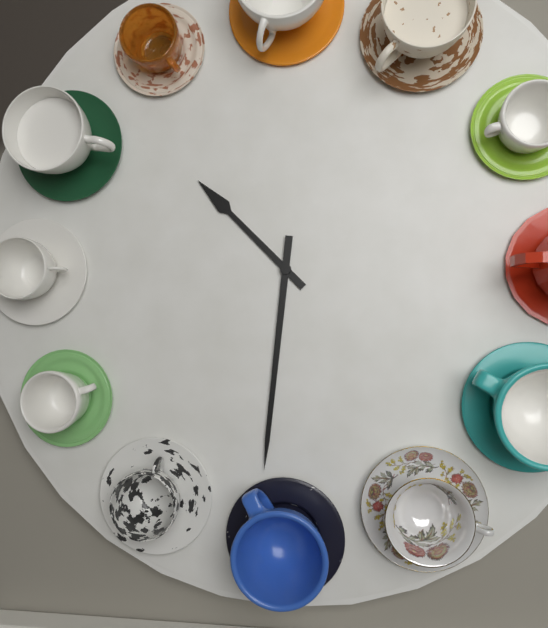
10:31
